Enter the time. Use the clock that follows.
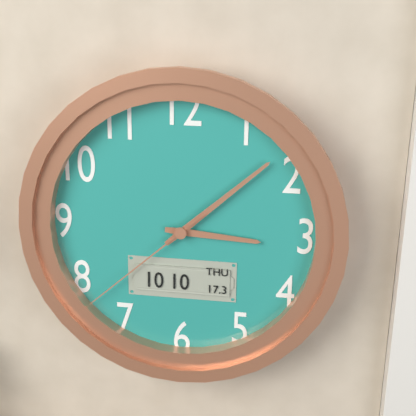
3:08:38
